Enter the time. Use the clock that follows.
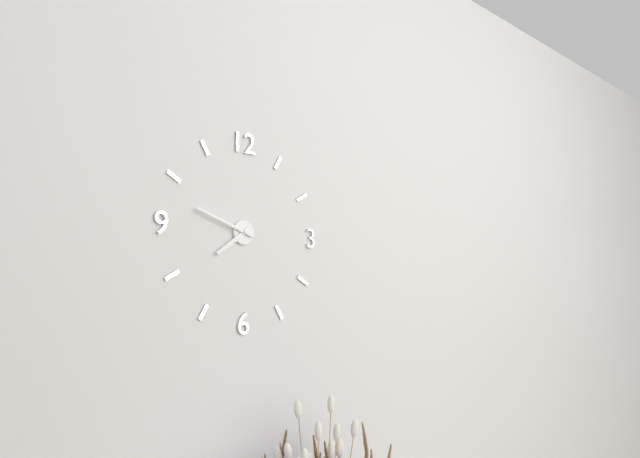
7:48
